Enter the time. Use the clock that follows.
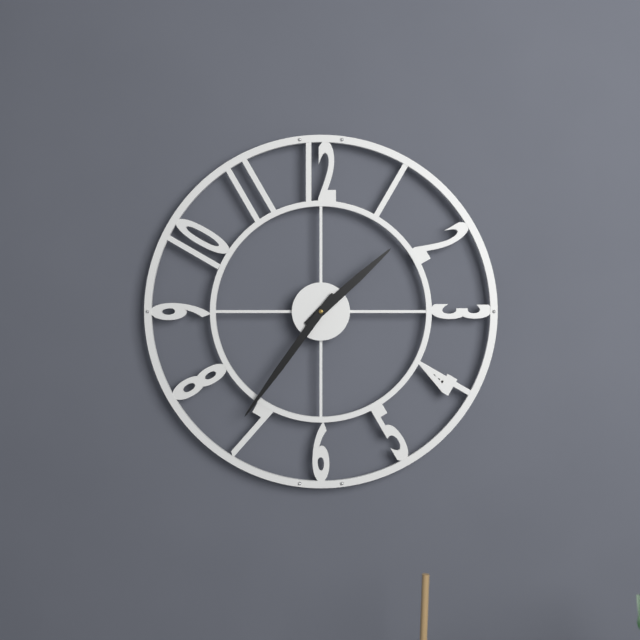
1:36
